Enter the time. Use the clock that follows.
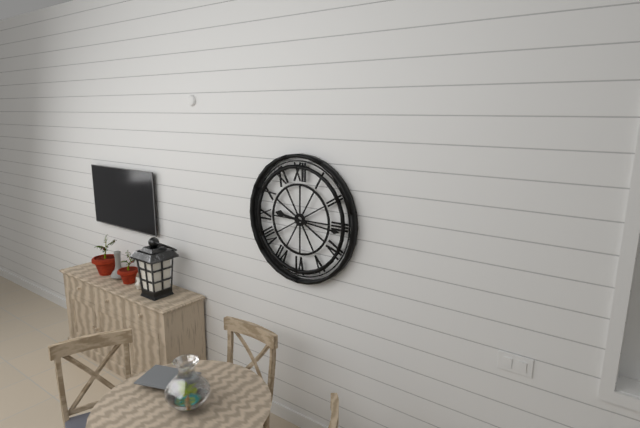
9:16
